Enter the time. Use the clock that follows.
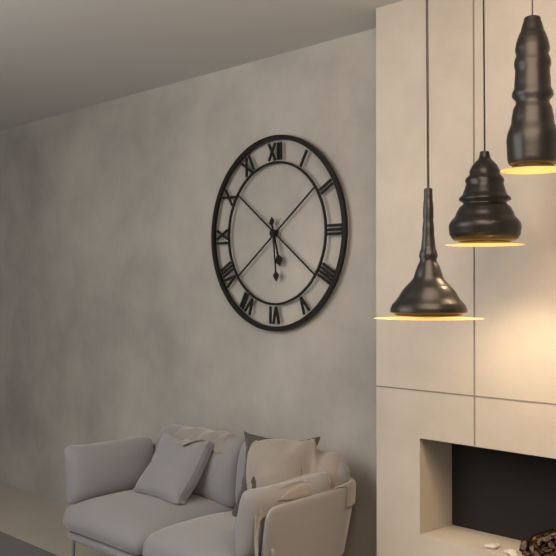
5:29
